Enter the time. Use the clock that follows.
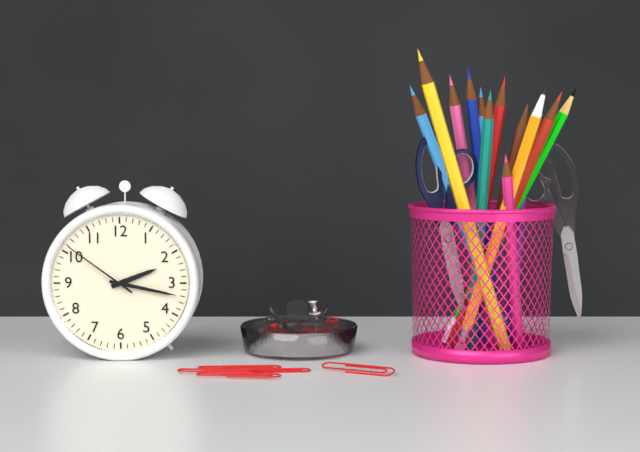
2:17:51
